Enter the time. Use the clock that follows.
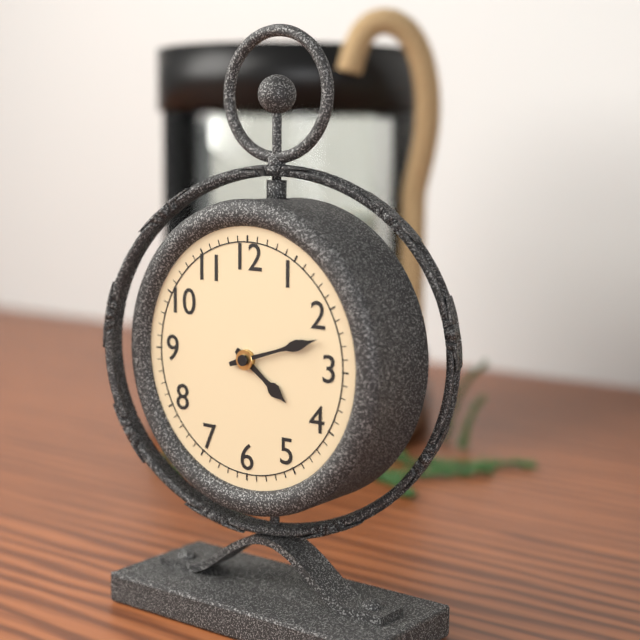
4:12
